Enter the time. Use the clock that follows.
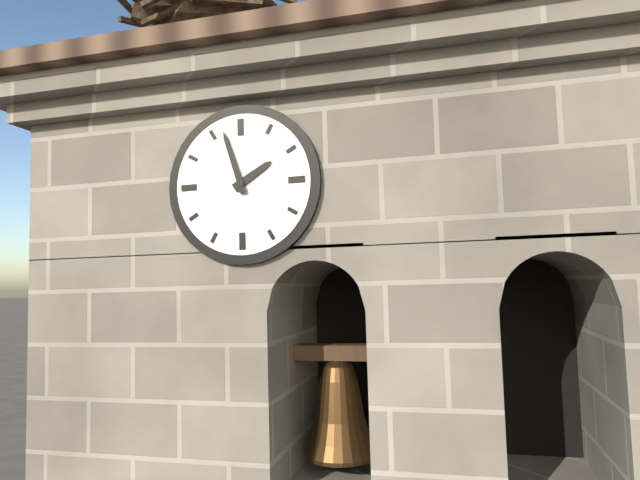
1:57
